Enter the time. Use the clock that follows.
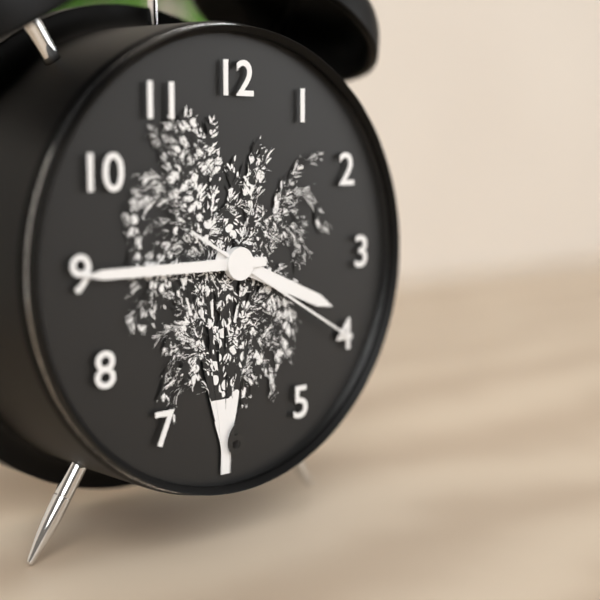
3:45:20
